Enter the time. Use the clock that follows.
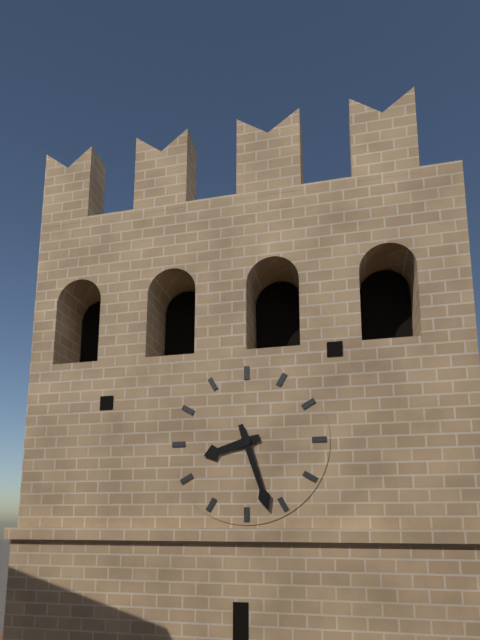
8:27
